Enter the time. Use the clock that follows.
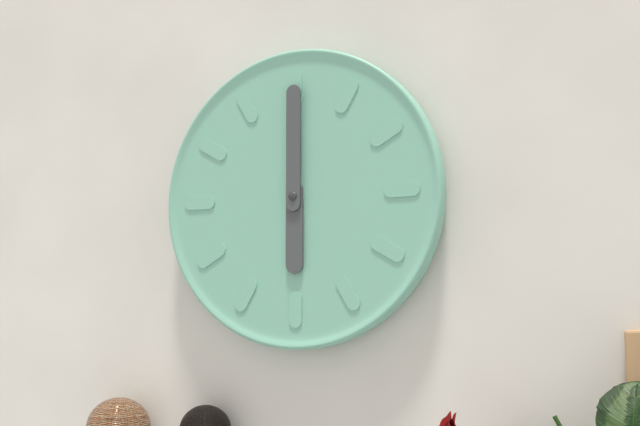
6:00
